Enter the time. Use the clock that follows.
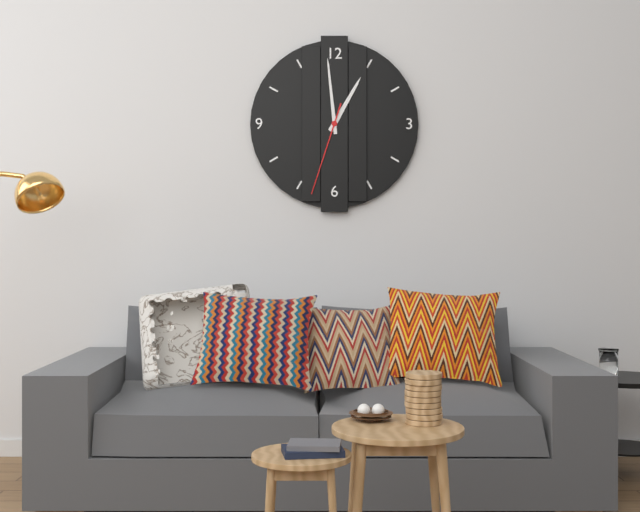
12:59:33
